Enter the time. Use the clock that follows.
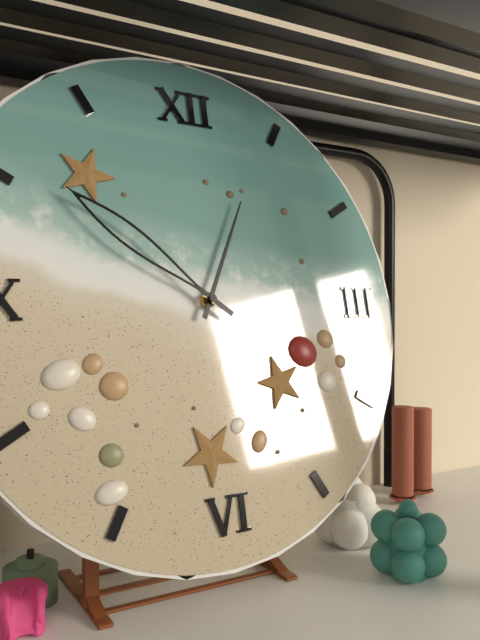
12:51
